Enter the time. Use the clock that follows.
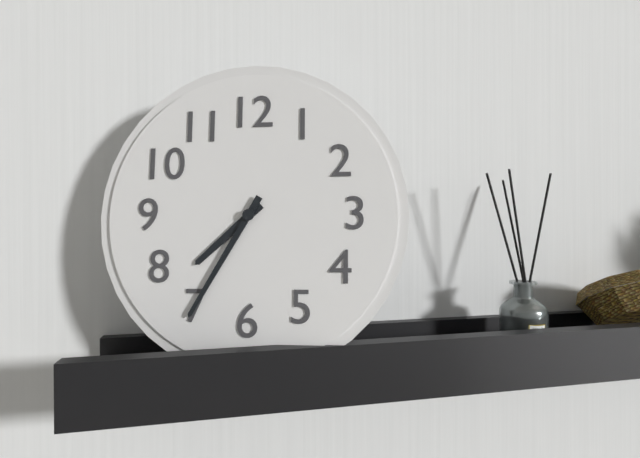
7:35
